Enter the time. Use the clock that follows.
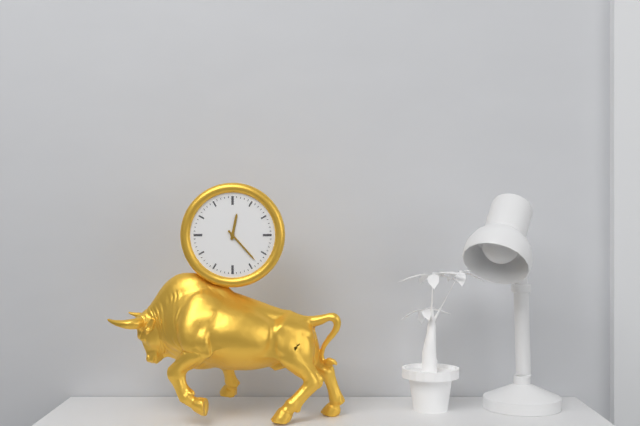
12:23
